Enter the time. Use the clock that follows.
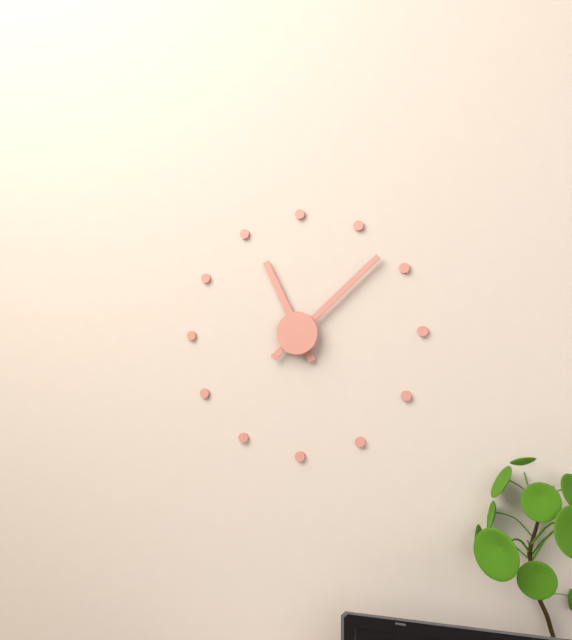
11:08
